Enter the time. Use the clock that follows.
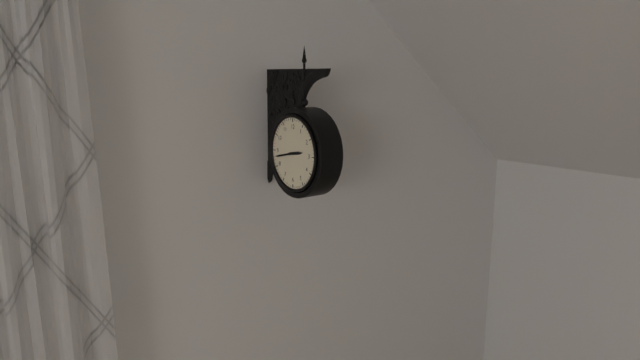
2:43
